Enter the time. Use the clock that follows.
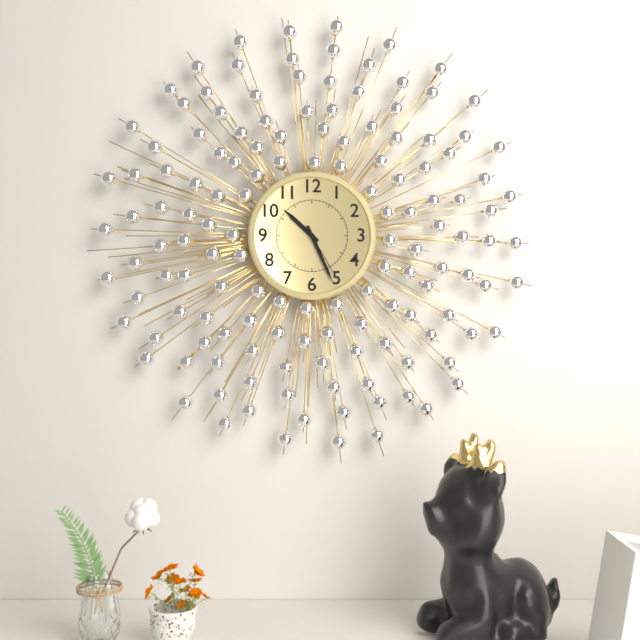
10:26:25
